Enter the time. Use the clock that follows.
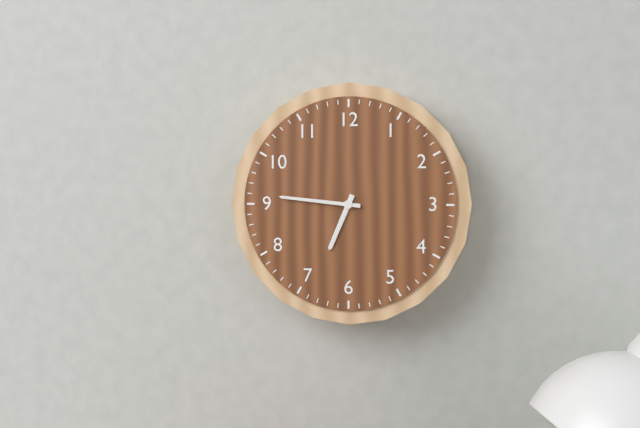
6:46
